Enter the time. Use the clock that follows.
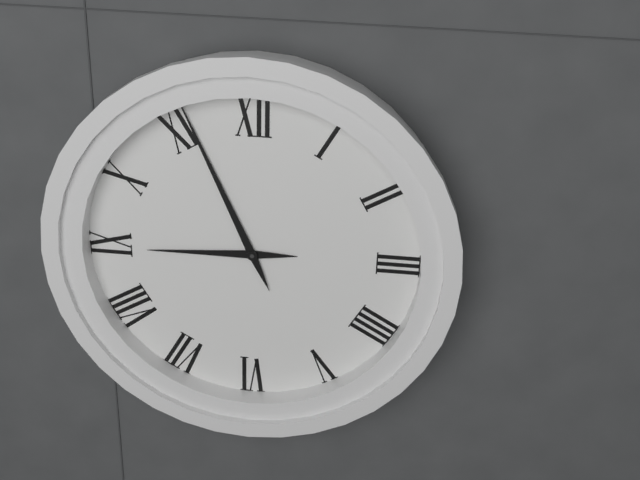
8:56
